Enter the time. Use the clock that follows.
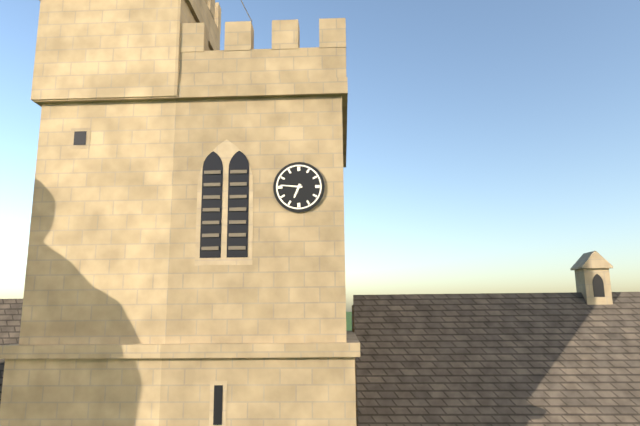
6:46
